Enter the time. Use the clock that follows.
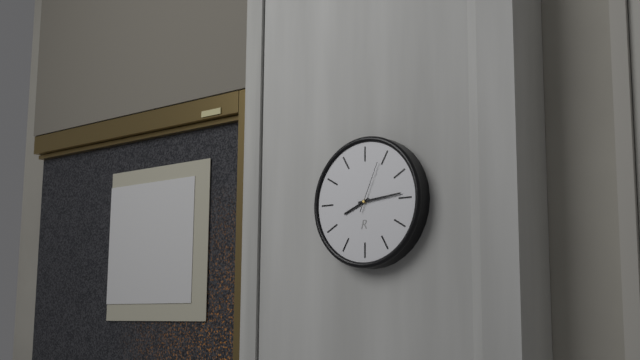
8:14:04
